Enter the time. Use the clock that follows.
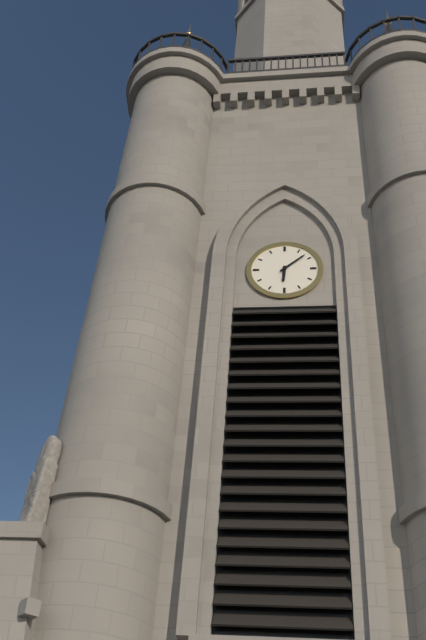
6:08
